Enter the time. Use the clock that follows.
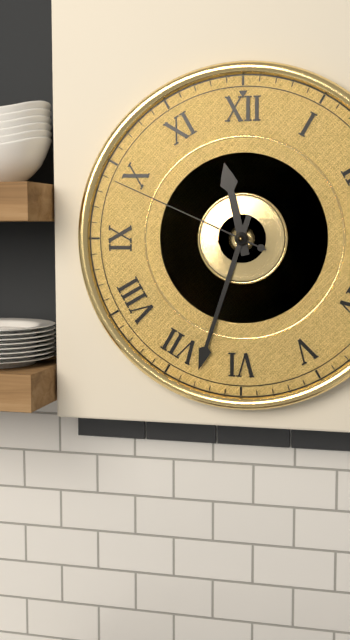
11:33:49
